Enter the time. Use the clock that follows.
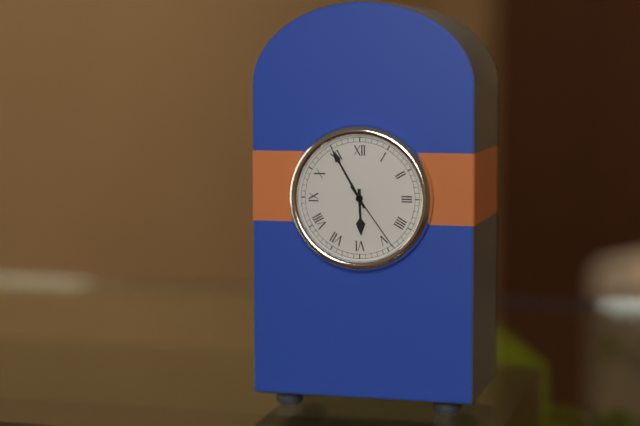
5:55:24
